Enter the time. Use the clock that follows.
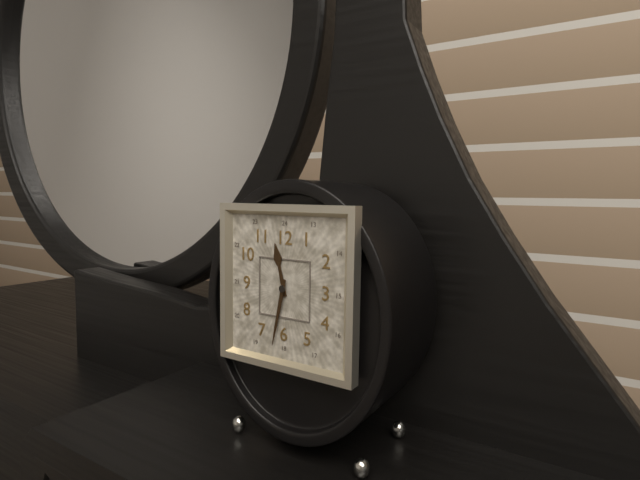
11:32
